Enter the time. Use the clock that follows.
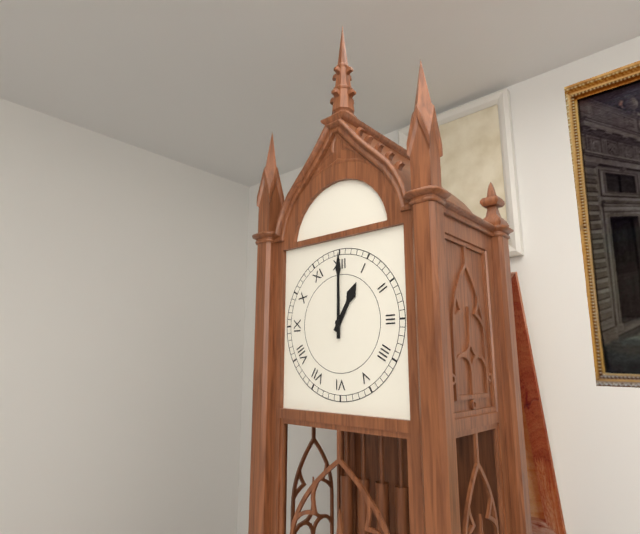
1:00
